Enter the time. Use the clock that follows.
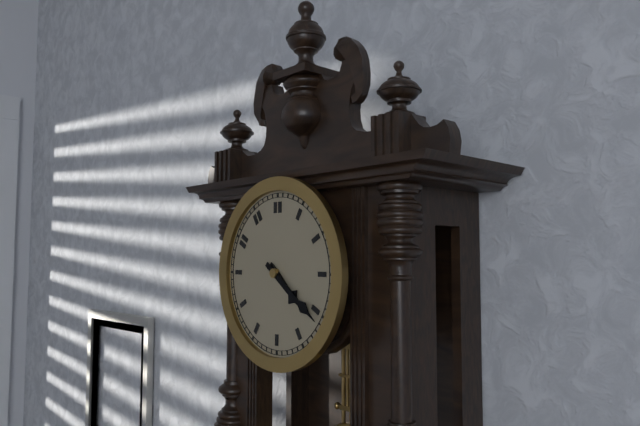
4:21
